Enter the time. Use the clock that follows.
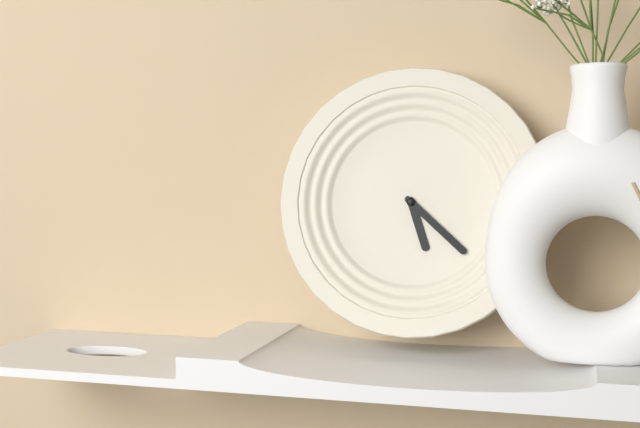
5:22
